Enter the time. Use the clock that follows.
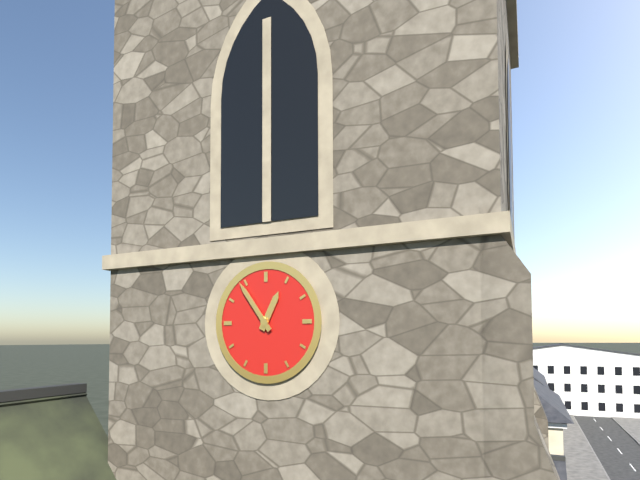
12:54
